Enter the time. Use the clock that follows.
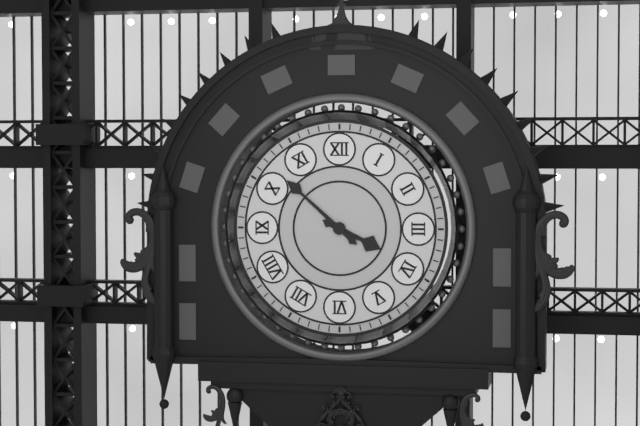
3:52
